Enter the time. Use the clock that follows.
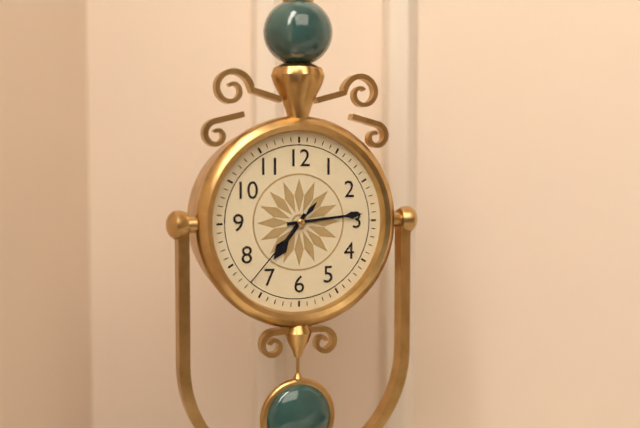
7:14:37
